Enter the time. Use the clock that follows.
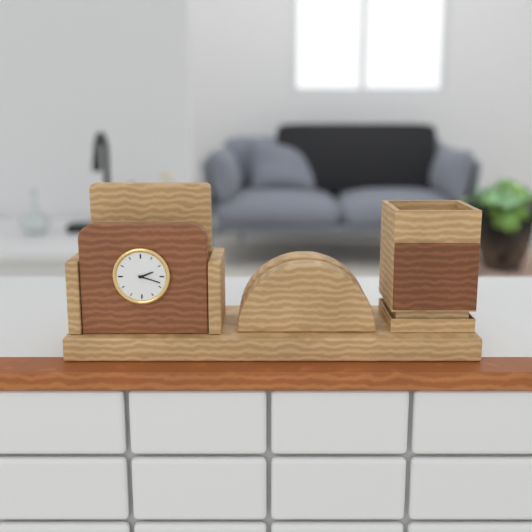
2:18
